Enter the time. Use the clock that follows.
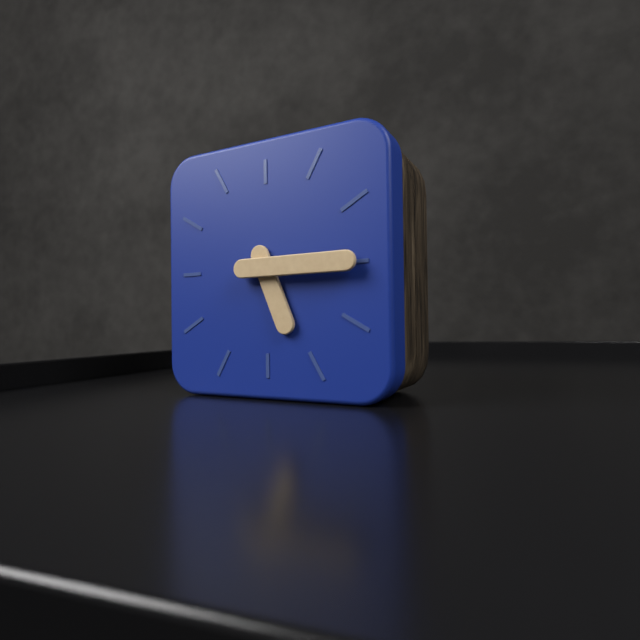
5:15
